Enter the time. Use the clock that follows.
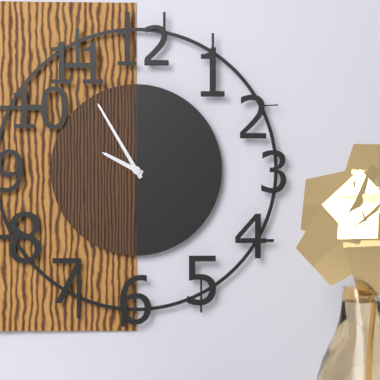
9:55
